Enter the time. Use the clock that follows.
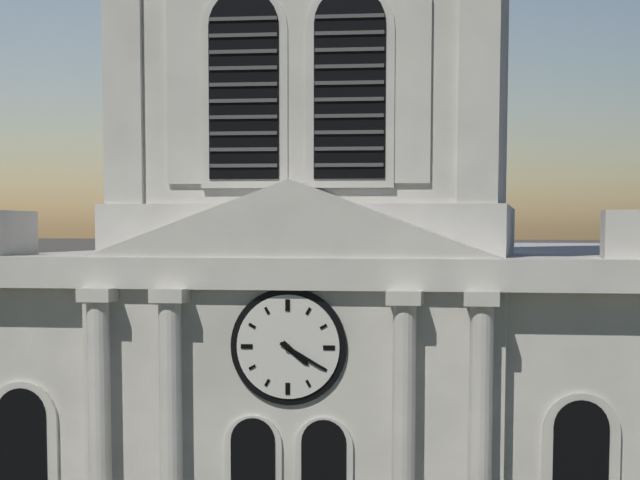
4:20
